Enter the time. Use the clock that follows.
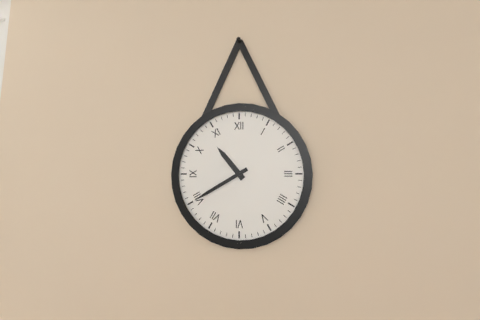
10:40
